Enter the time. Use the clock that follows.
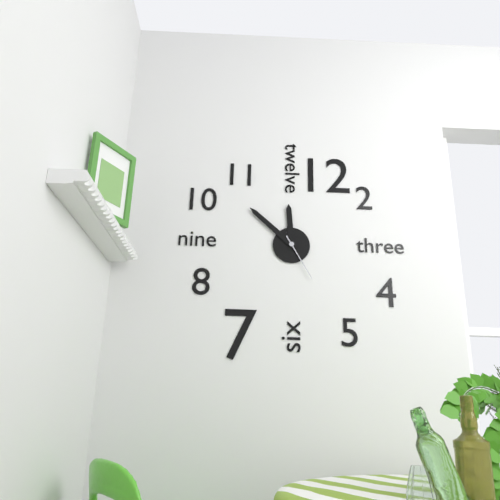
11:52:25
